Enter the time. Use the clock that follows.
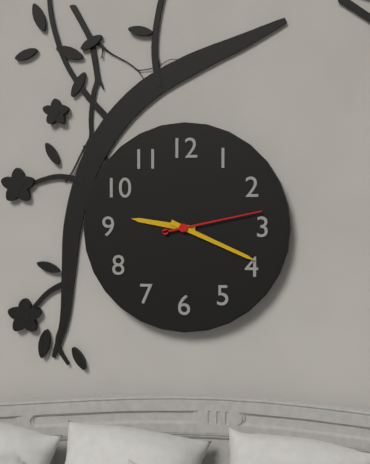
9:19:13
